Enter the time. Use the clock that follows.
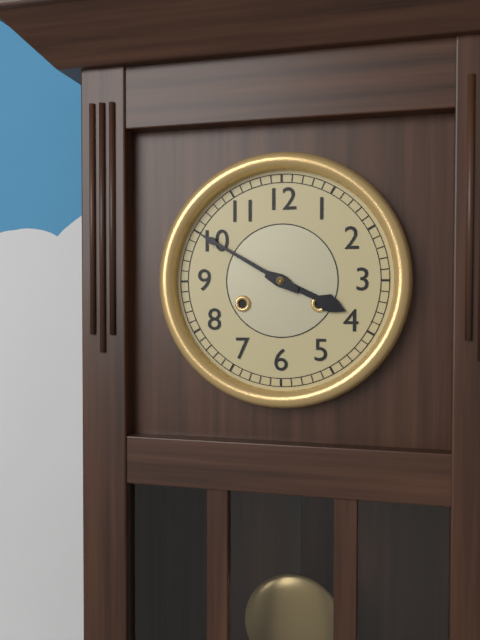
3:50
